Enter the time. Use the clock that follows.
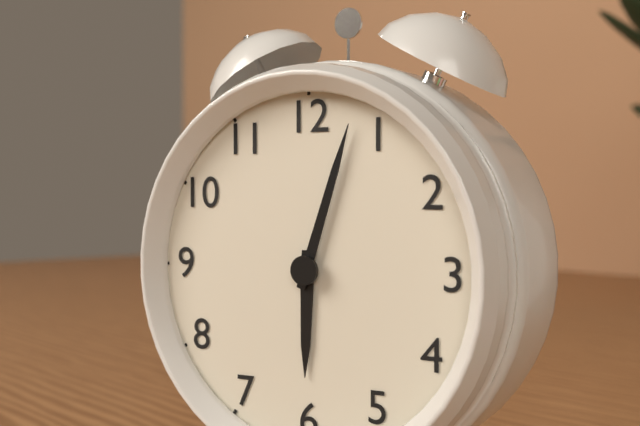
6:03
